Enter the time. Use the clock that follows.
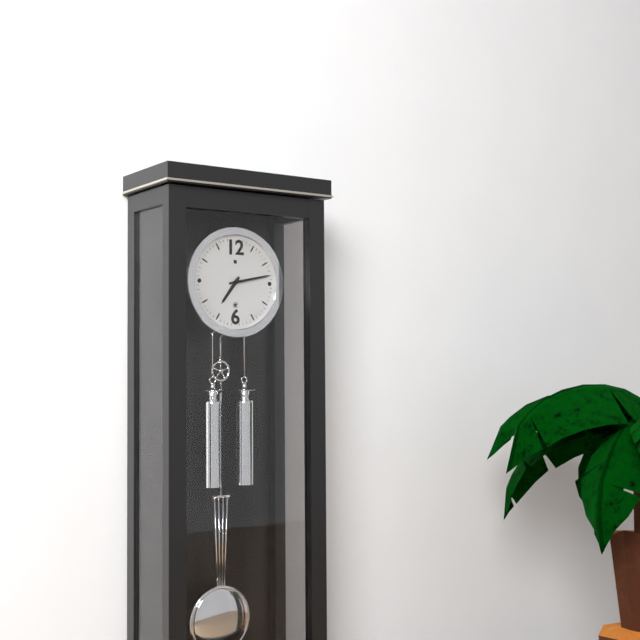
7:13
